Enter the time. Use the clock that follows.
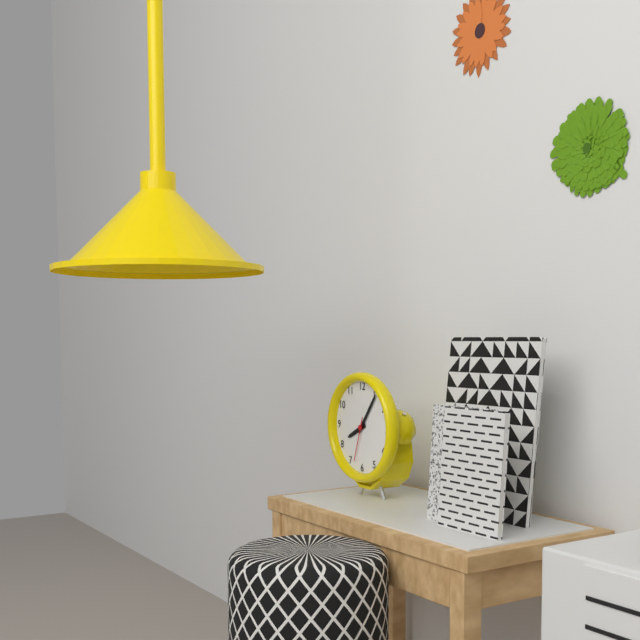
8:06
